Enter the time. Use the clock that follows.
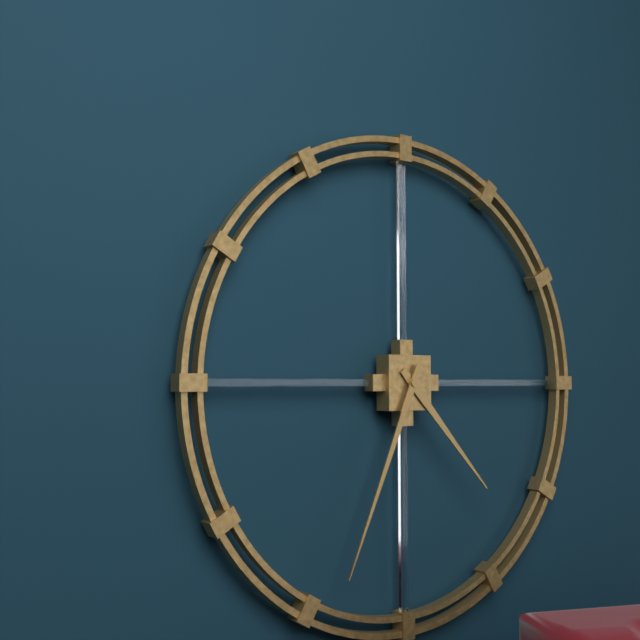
4:34
